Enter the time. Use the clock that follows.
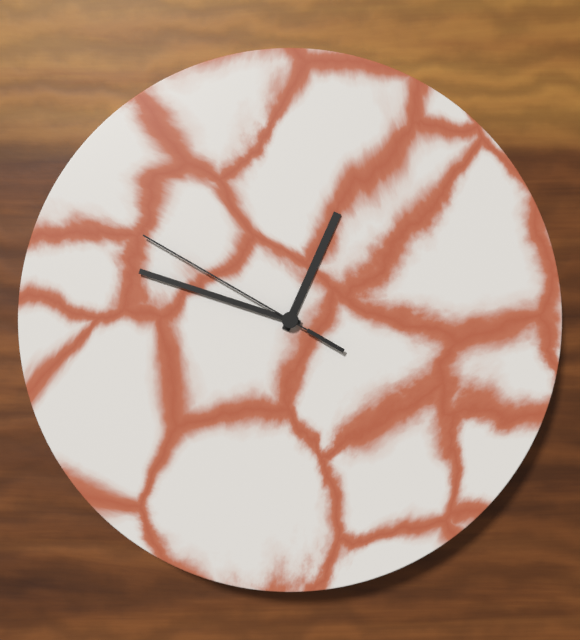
12:48:50
